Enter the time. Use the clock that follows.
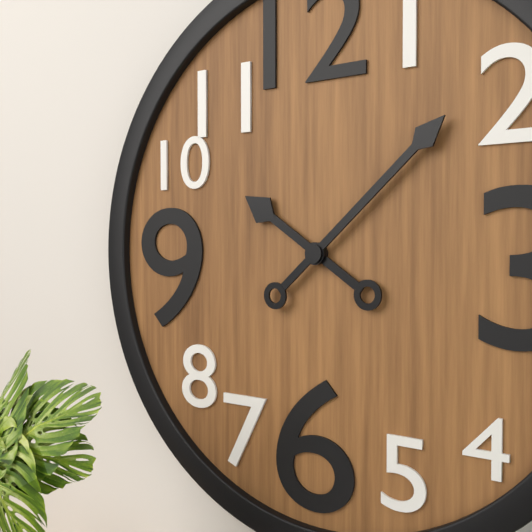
10:08
